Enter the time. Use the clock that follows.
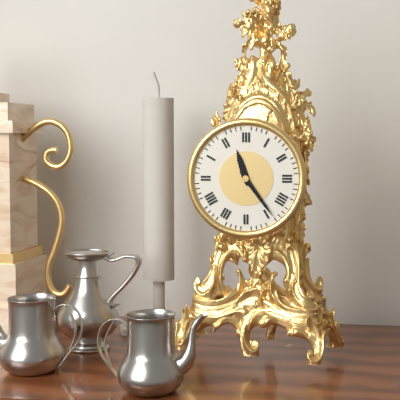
11:24
